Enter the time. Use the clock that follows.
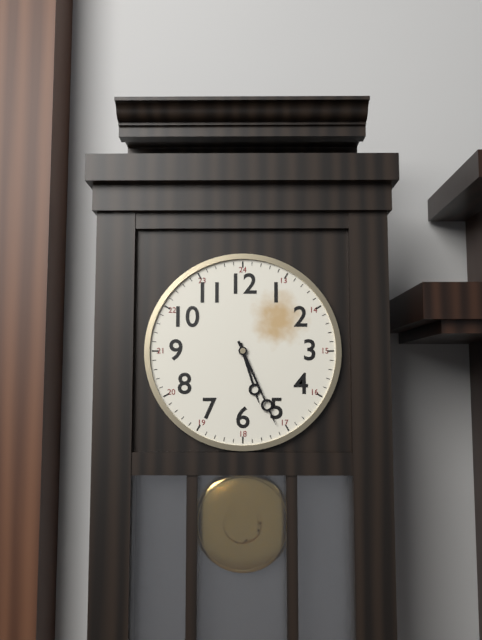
5:26
